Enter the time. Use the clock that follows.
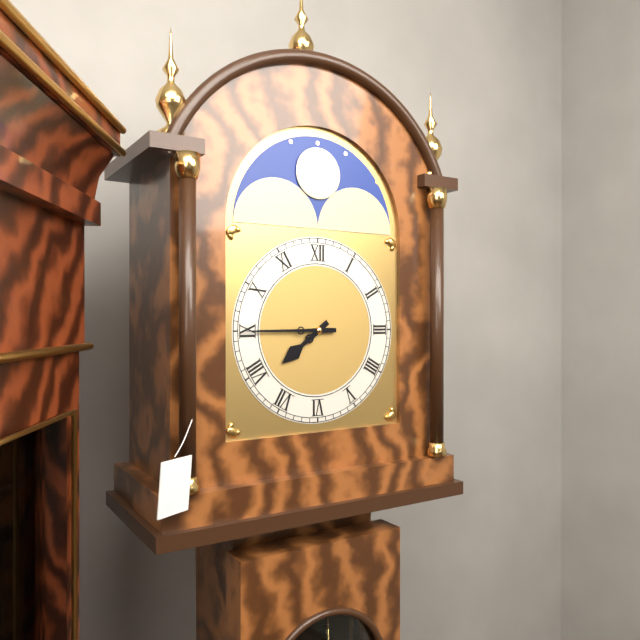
7:45
